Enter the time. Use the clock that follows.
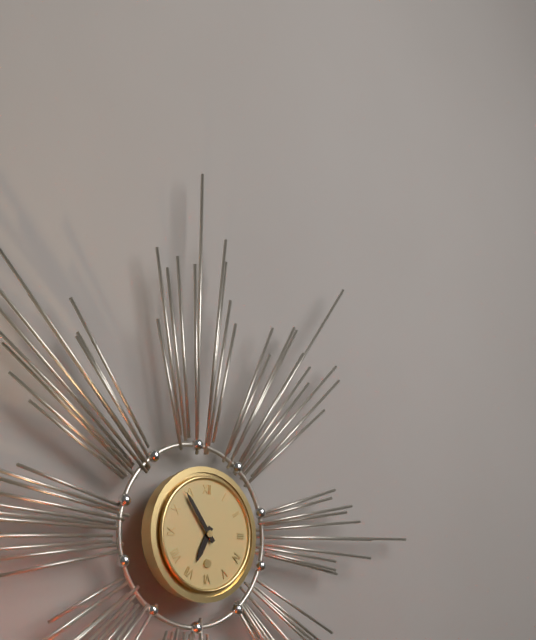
6:54
